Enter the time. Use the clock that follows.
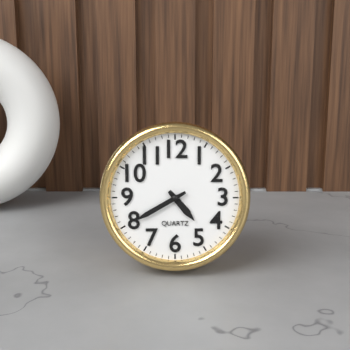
4:40
